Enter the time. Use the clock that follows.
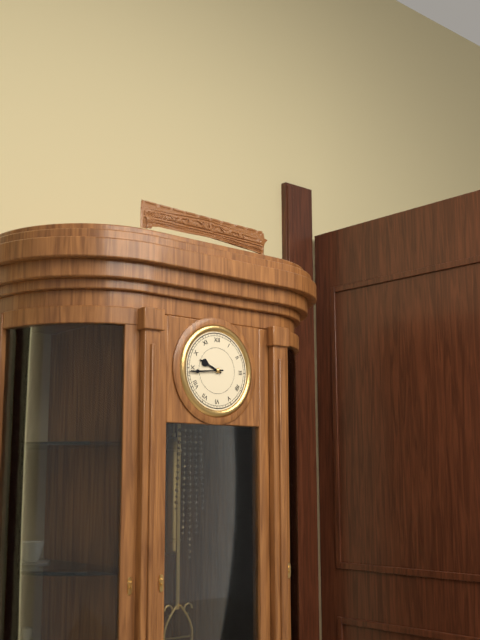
9:44
